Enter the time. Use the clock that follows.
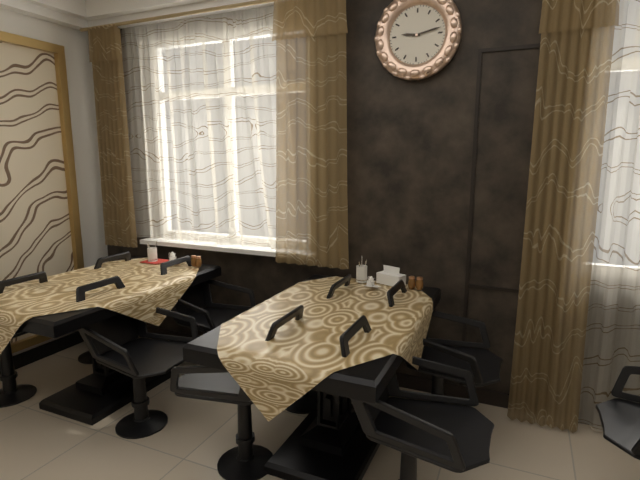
9:13
